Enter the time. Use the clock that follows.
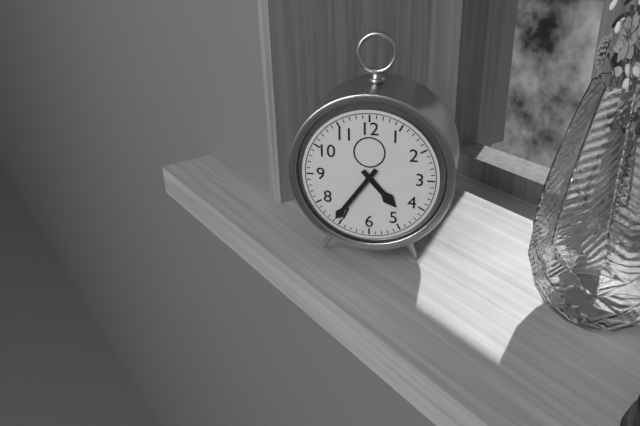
4:36
